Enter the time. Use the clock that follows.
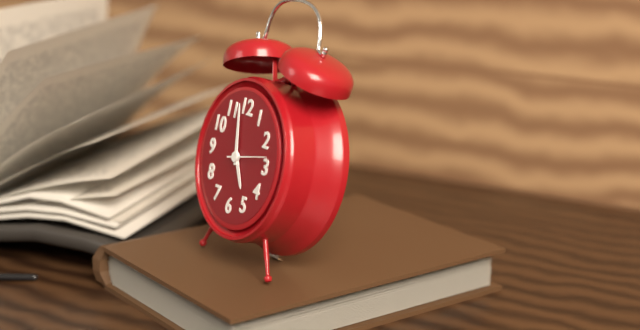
4:58
